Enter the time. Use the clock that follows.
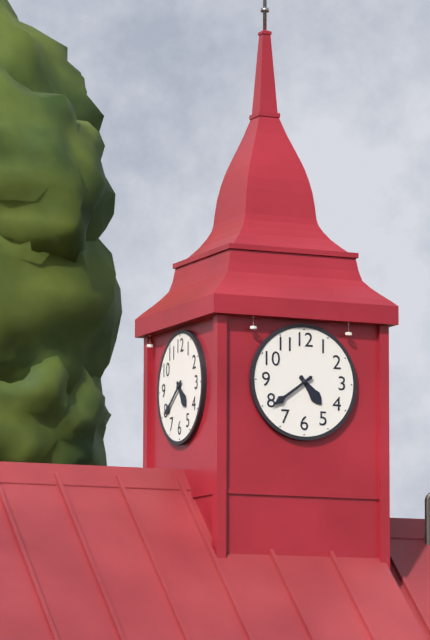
4:39
